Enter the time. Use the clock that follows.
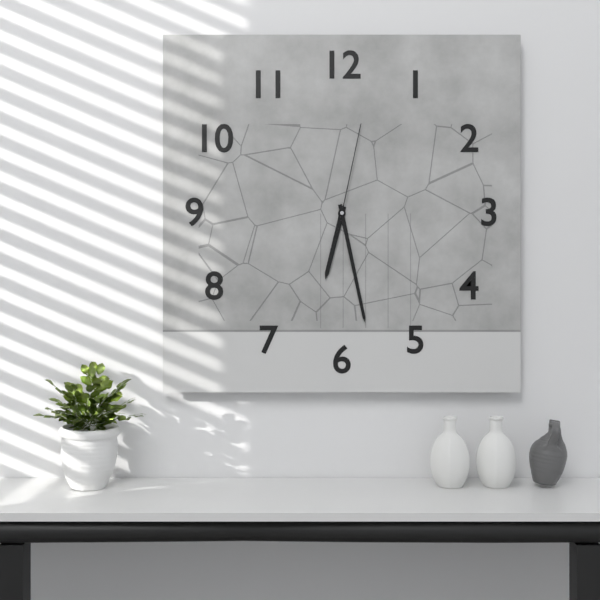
6:28:02
